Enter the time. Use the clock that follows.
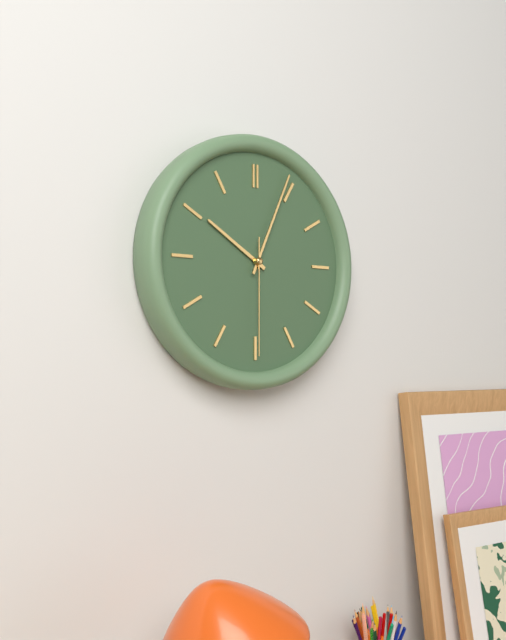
10:04:30
